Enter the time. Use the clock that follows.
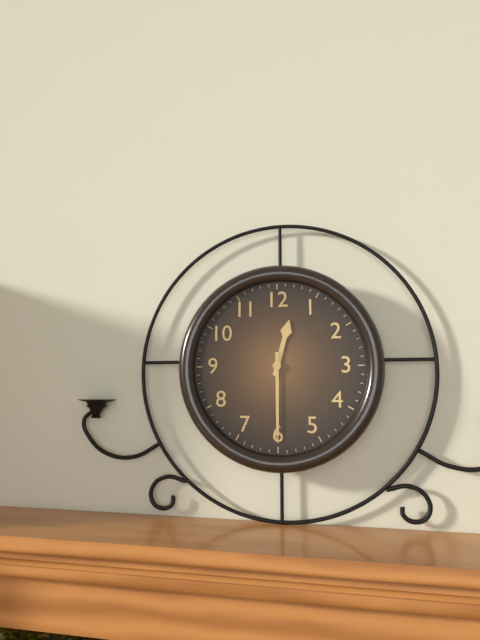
12:30
